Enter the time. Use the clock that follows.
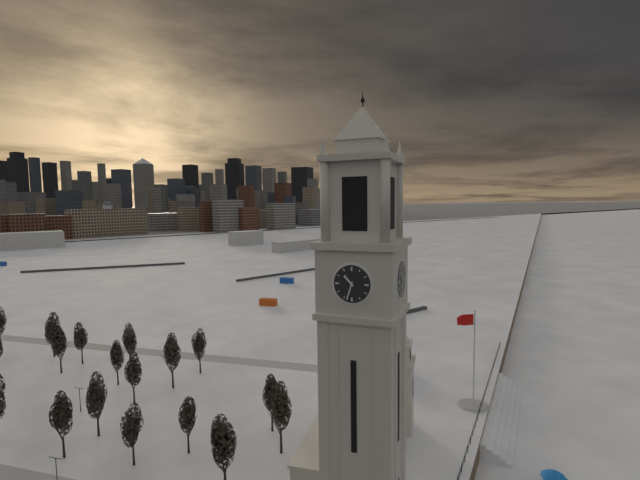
10:33
